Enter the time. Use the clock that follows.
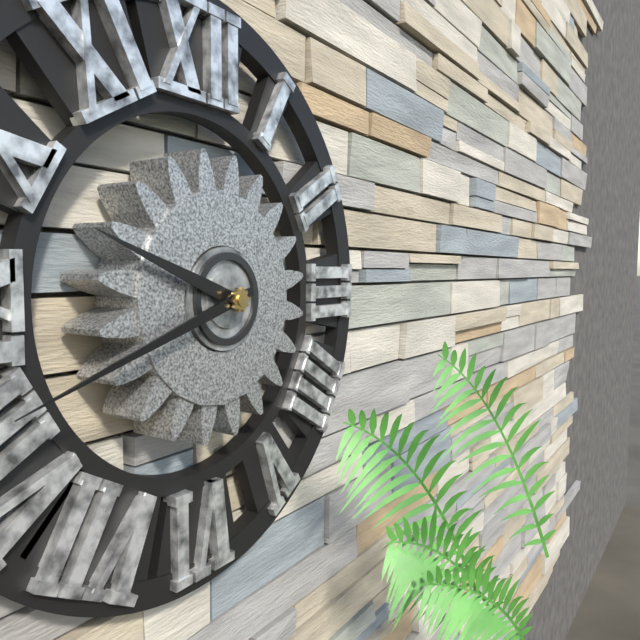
9:42
